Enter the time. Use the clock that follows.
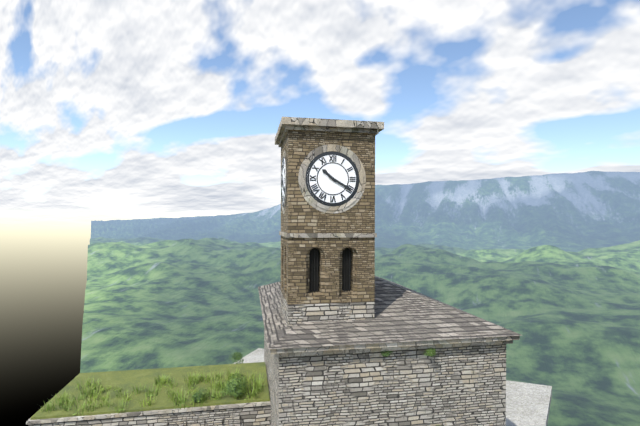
10:20
